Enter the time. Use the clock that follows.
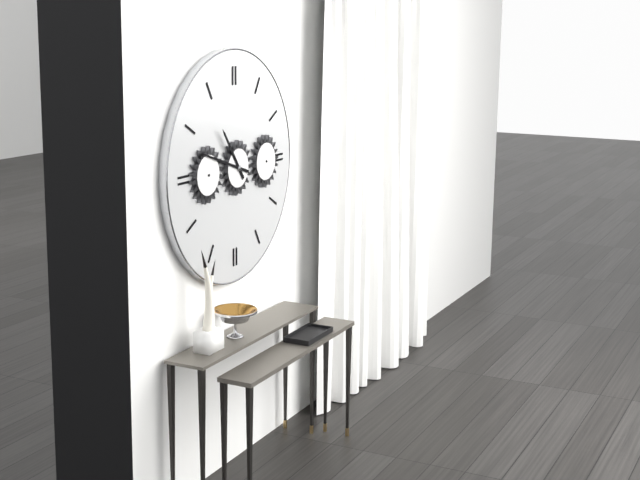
10:48
